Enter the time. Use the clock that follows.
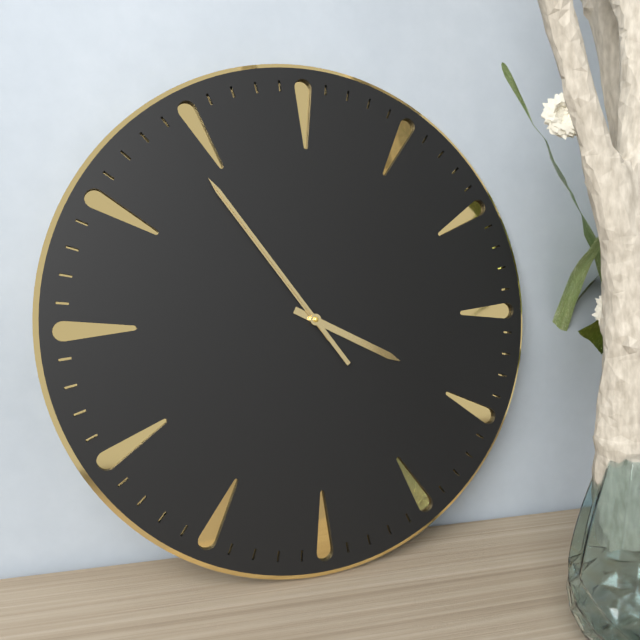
3:54:54
